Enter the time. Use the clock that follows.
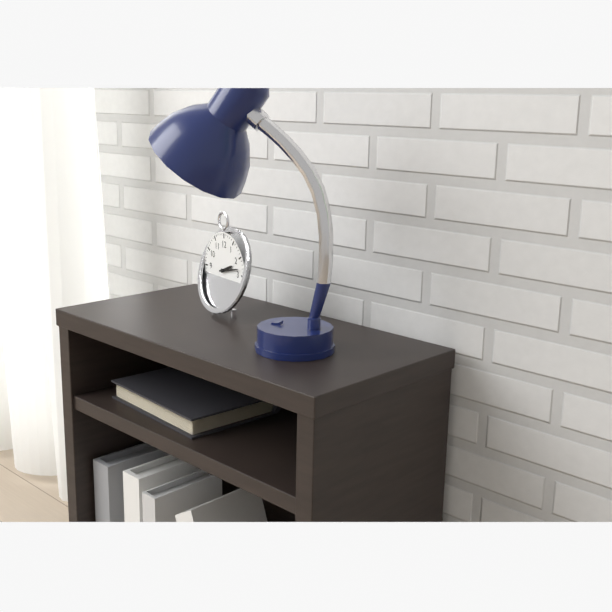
2:13
